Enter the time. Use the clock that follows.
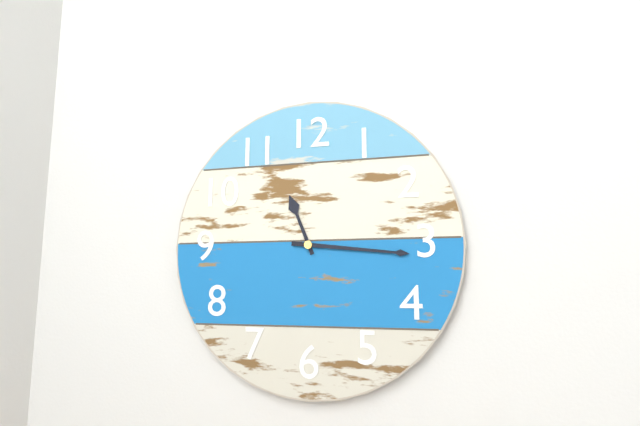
11:16
